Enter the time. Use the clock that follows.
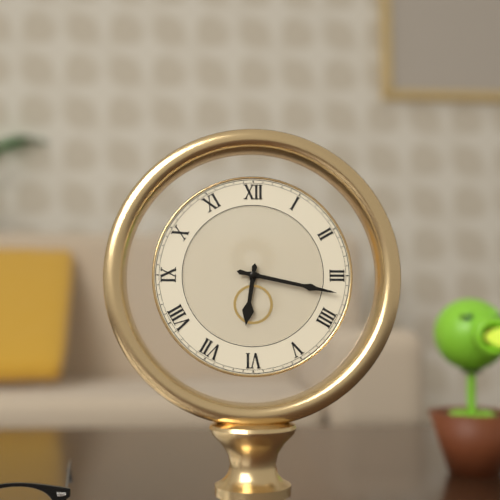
6:17
